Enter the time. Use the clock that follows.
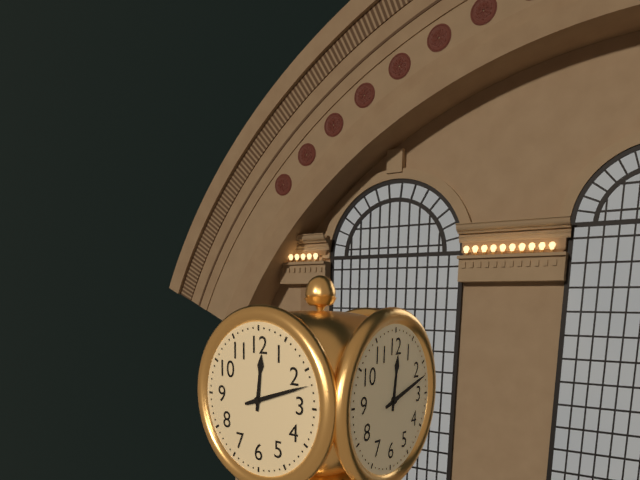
12:12
